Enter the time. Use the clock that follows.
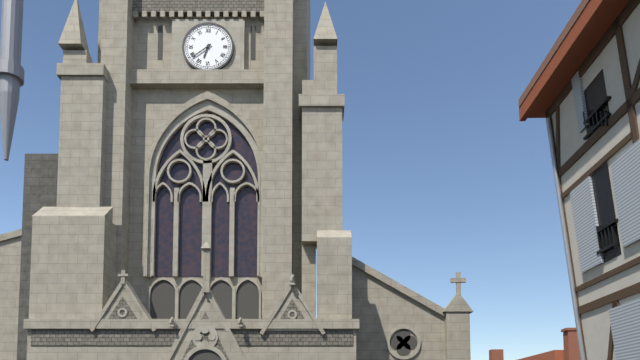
6:39
